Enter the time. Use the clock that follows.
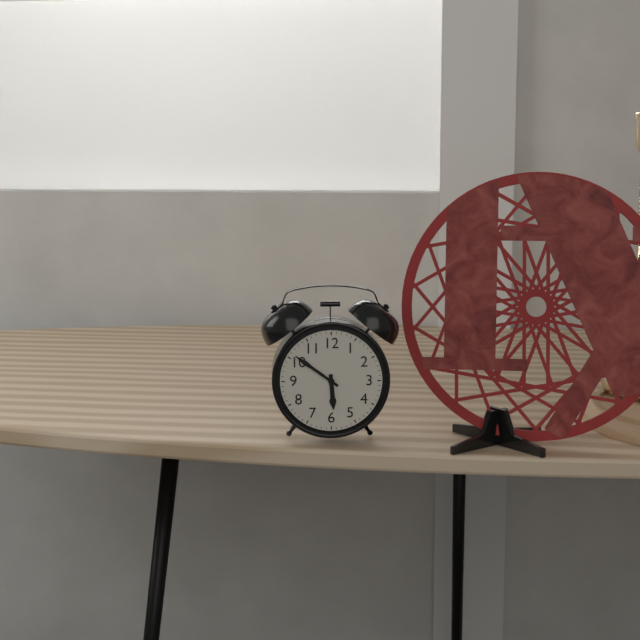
5:51
